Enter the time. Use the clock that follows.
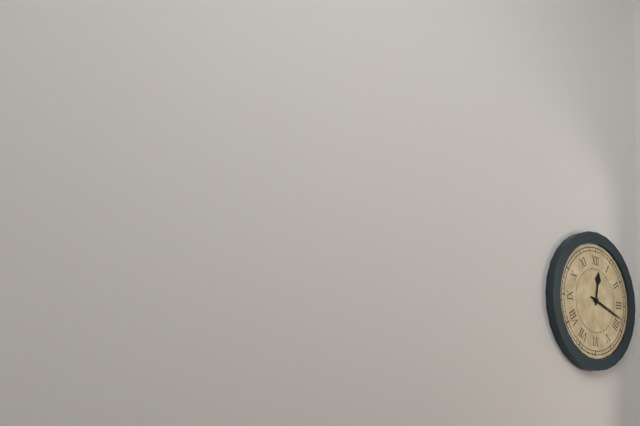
12:18
